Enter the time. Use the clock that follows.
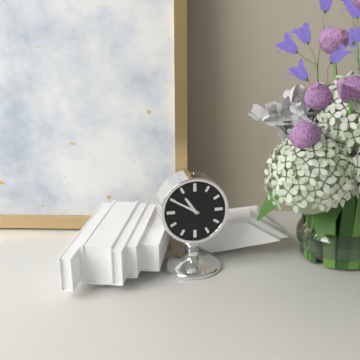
10:50
